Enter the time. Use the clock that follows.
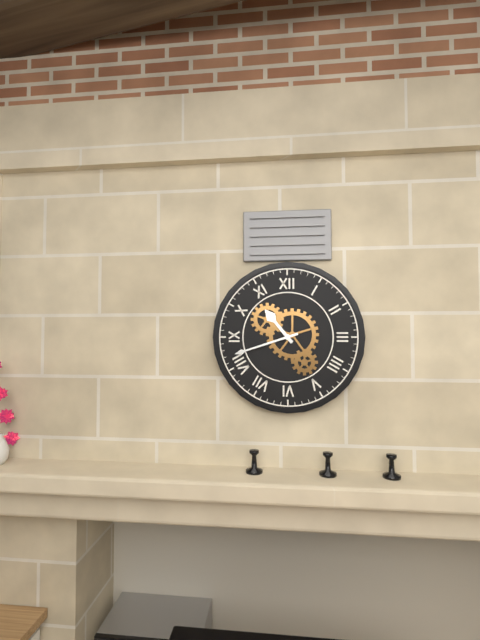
10:42
